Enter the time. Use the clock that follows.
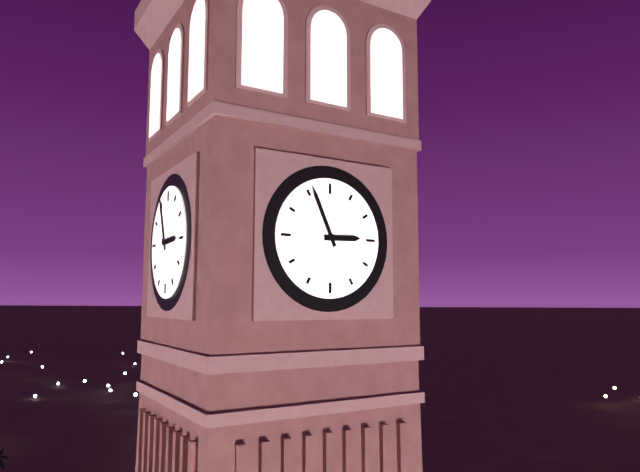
2:56
